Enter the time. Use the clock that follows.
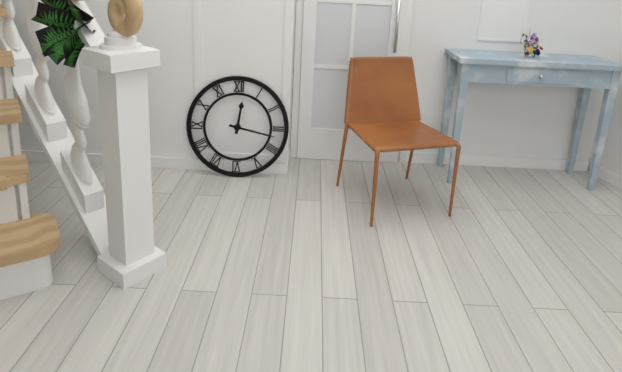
12:17
